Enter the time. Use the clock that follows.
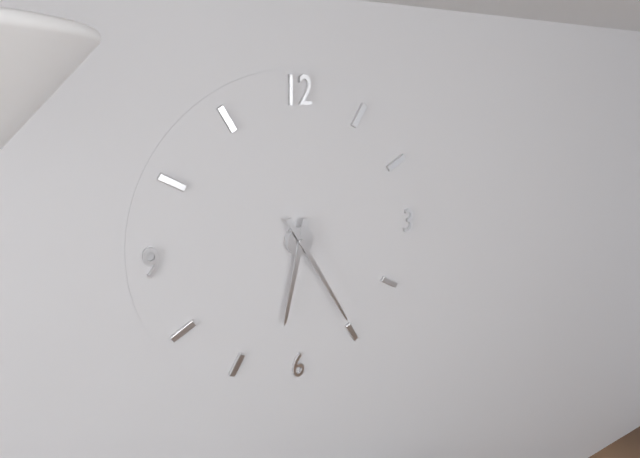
6:25
